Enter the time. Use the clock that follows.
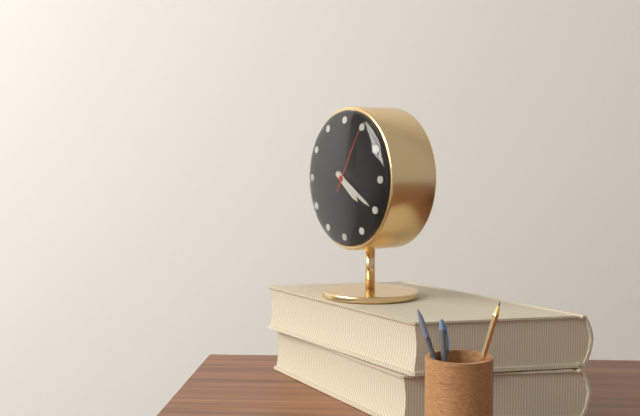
4:20:05
